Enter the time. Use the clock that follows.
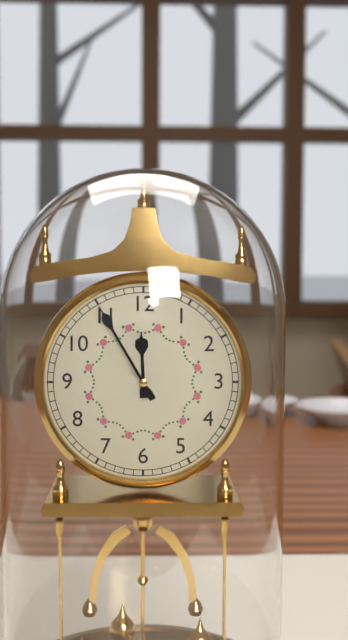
11:55
